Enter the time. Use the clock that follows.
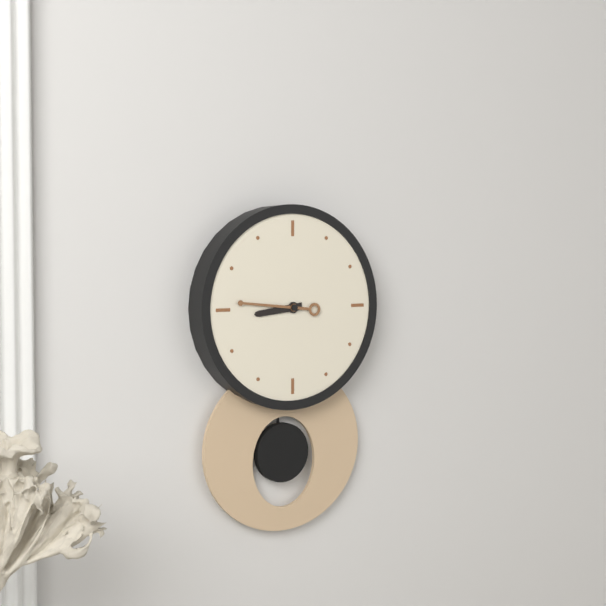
8:46
